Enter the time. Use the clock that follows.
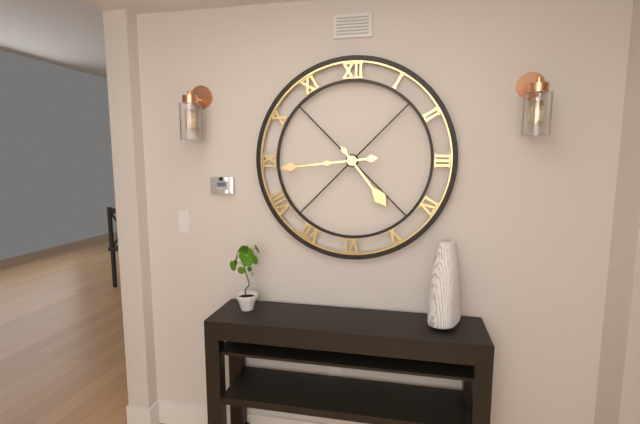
4:44
